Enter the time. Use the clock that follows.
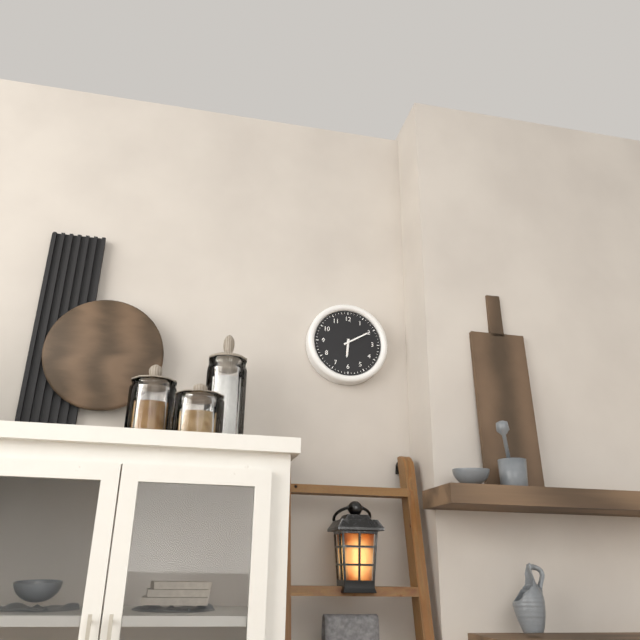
6:10
